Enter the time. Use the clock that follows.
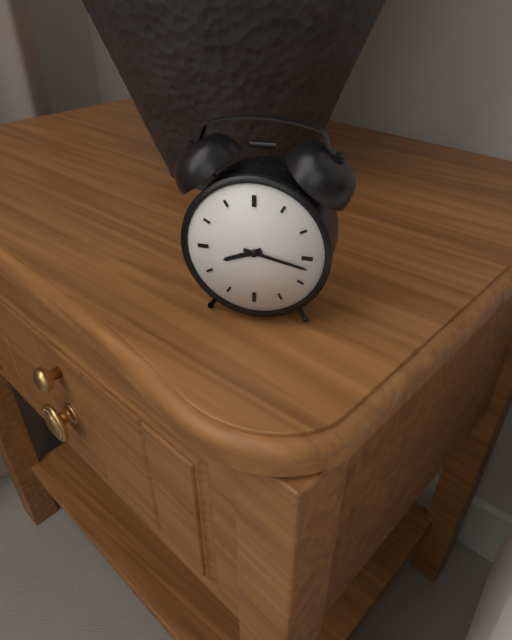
8:17
